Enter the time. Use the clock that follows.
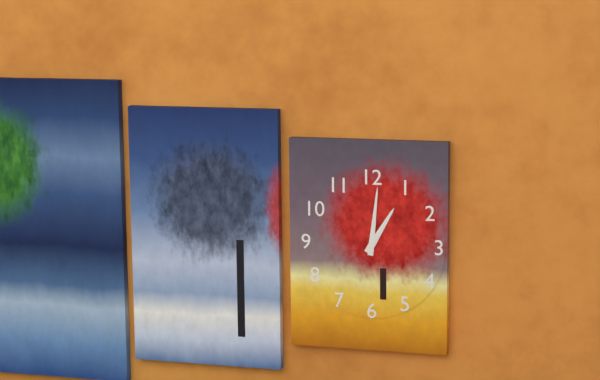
1:01
